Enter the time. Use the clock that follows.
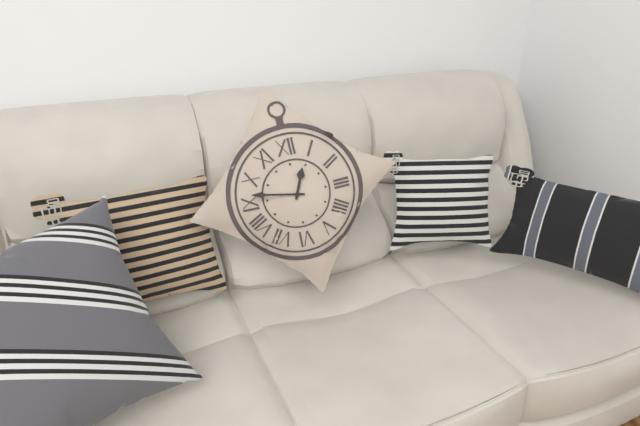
12:47
